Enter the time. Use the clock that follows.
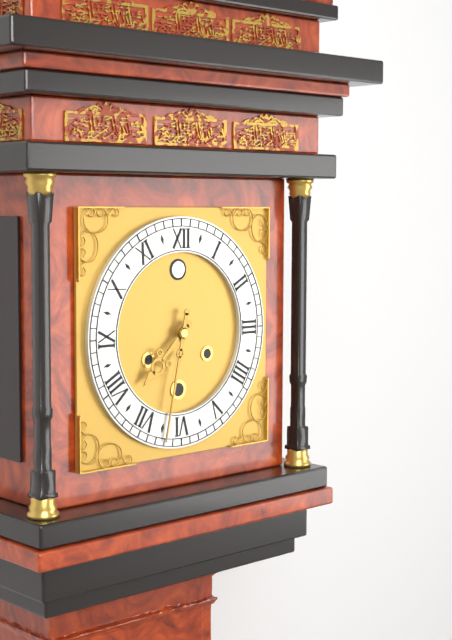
7:32
